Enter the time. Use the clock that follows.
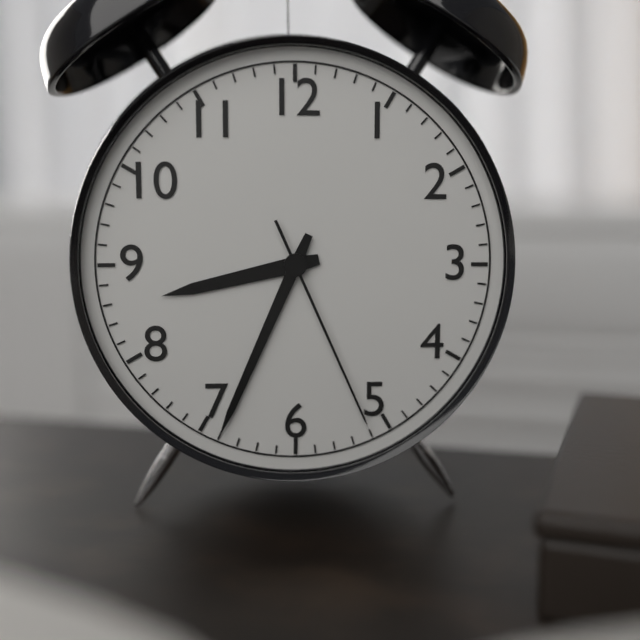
8:34:26
